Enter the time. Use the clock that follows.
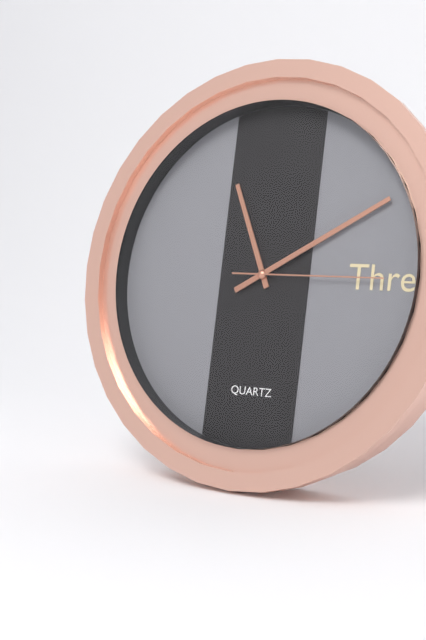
11:10:15
